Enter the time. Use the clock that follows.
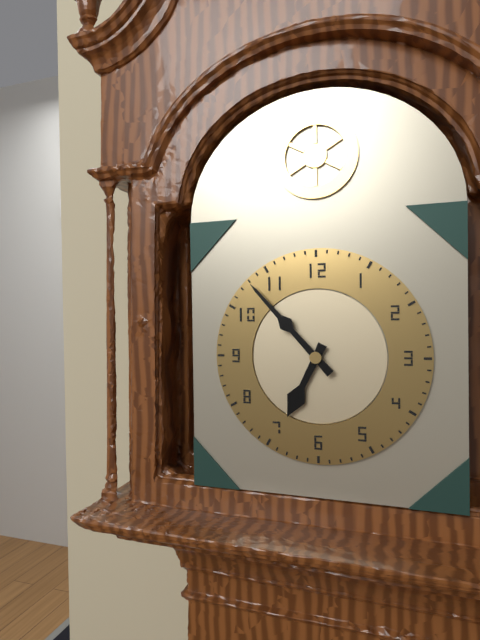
6:53
